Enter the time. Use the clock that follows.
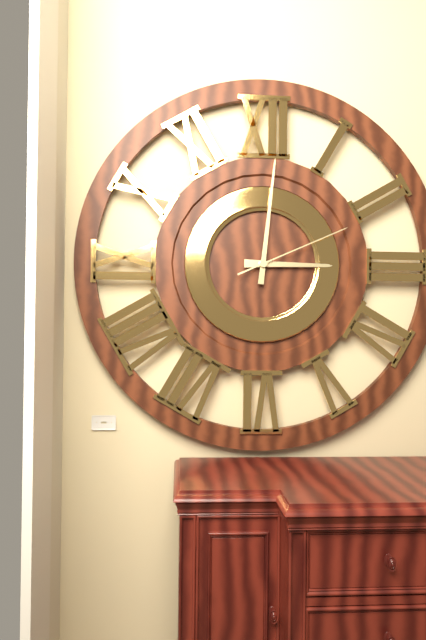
3:01:11
